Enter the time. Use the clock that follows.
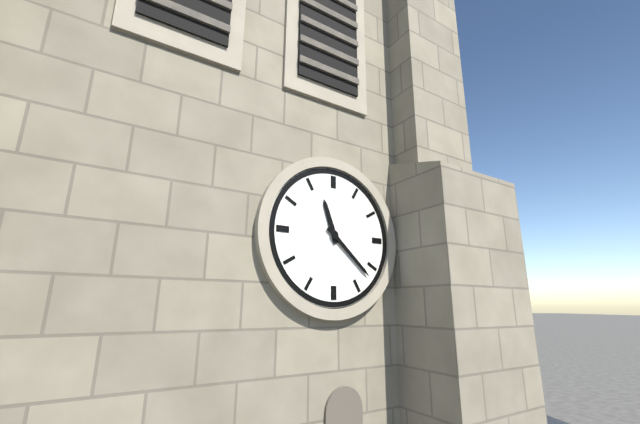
11:22
